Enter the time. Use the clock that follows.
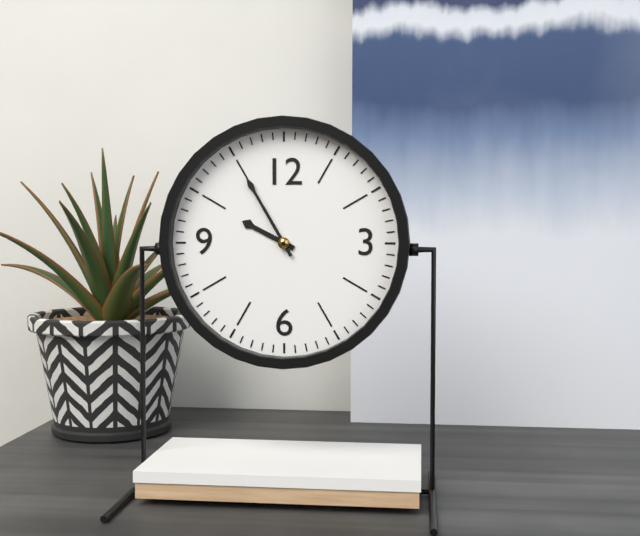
9:55
